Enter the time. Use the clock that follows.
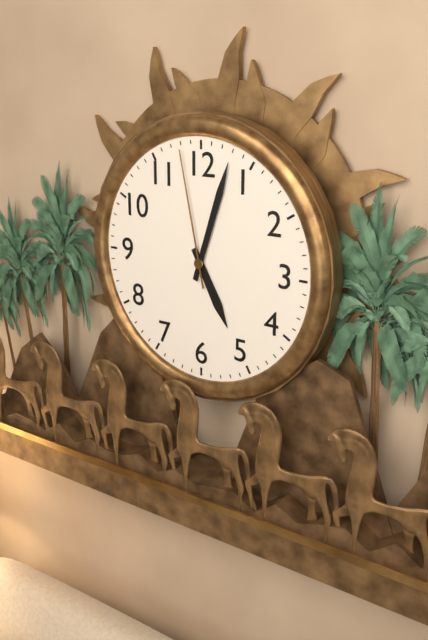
5:03:58
